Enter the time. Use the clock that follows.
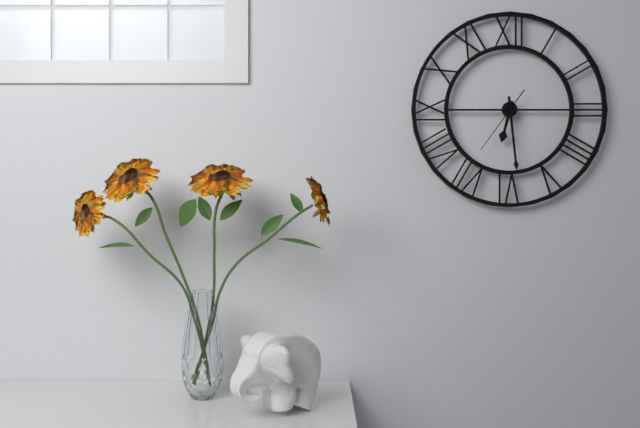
6:29:36
